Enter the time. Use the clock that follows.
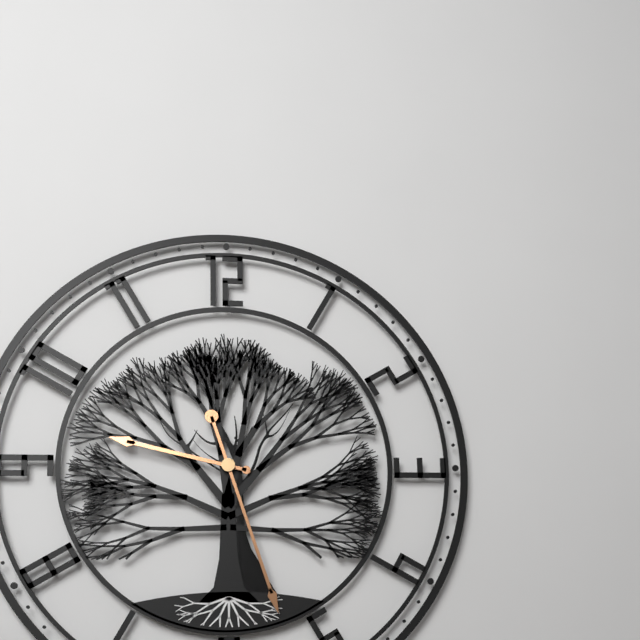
9:27
